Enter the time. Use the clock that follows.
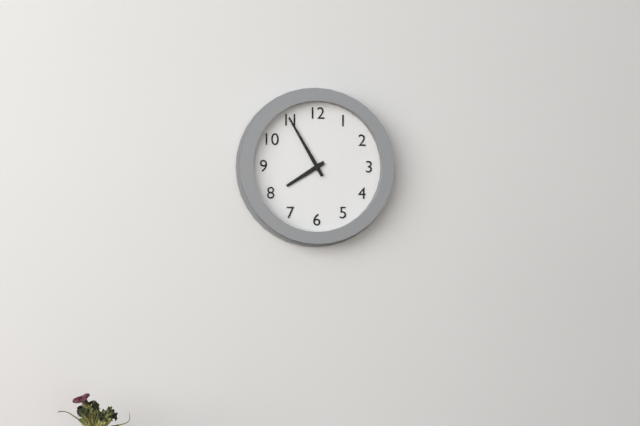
7:55
